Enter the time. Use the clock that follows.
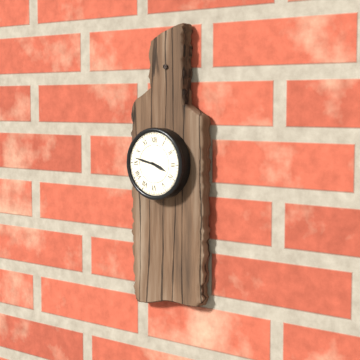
3:47
